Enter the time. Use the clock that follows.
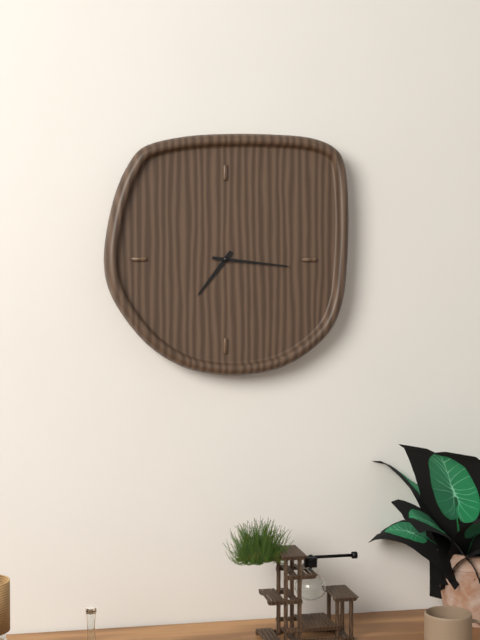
7:16
